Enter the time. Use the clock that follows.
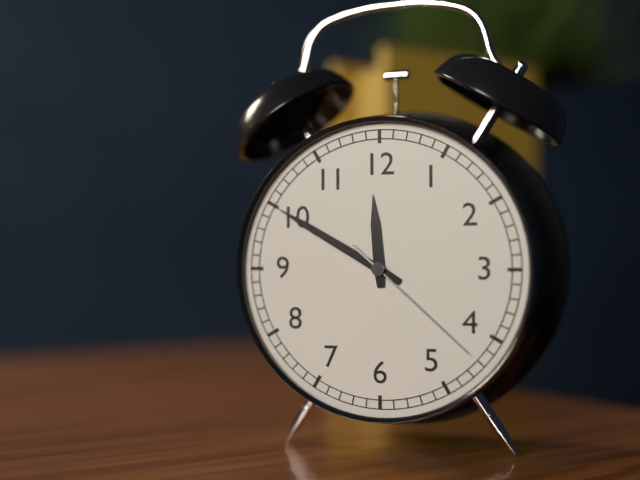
11:50:22
